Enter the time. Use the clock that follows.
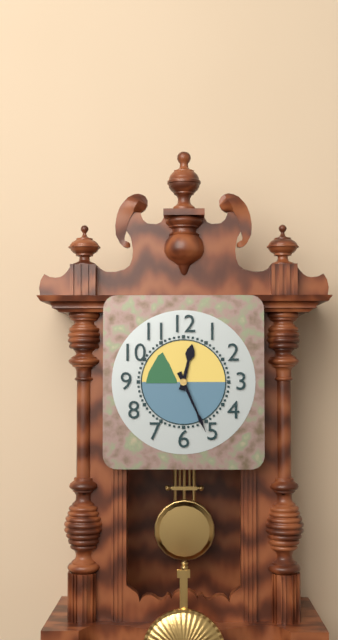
12:26
